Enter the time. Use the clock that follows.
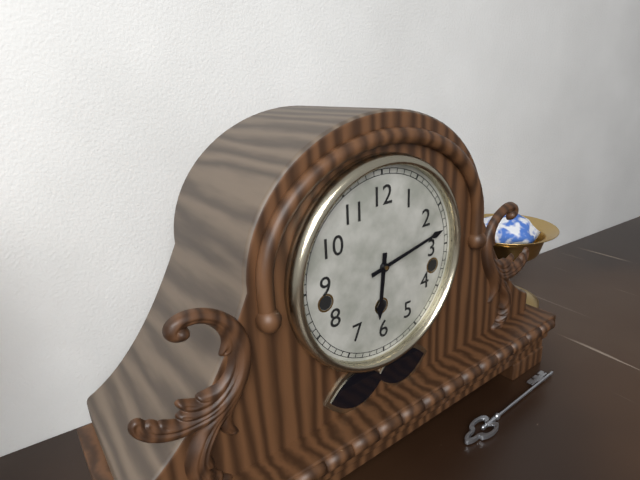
6:13
